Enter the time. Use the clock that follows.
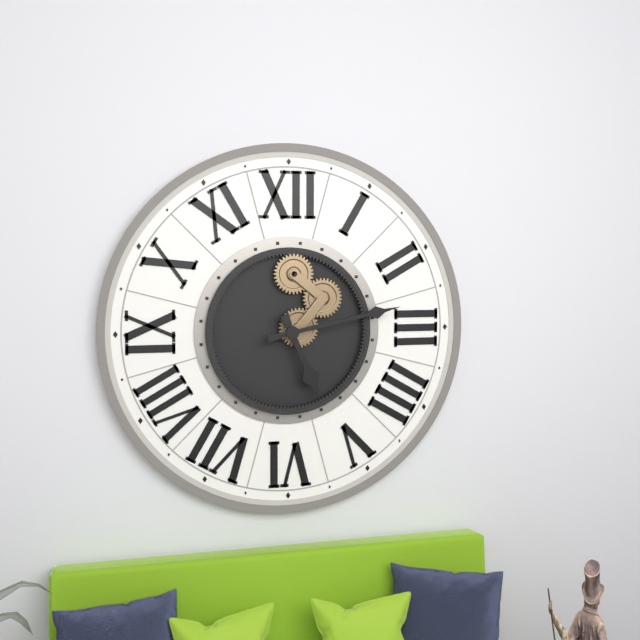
5:13
